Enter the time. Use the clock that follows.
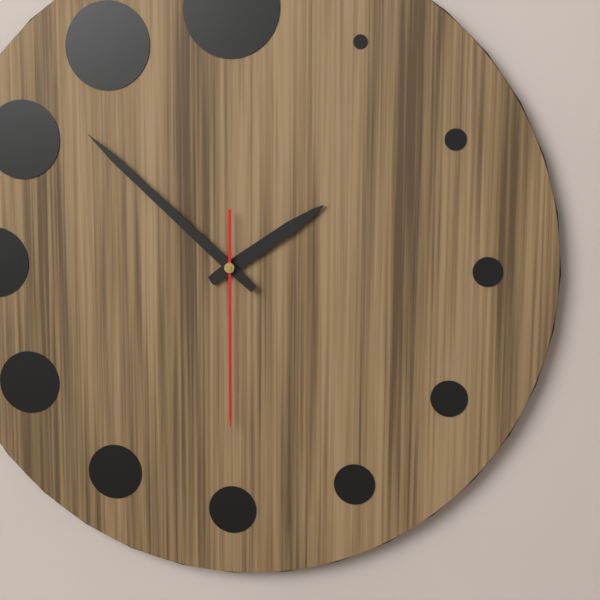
1:52:30
